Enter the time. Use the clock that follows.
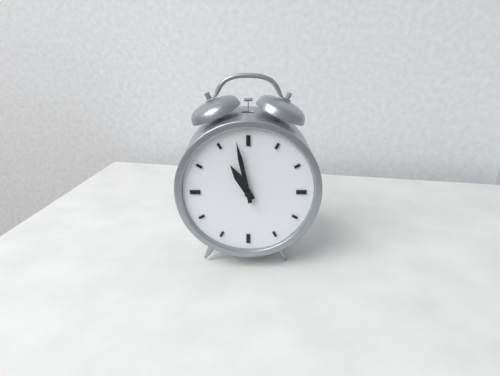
10:58
